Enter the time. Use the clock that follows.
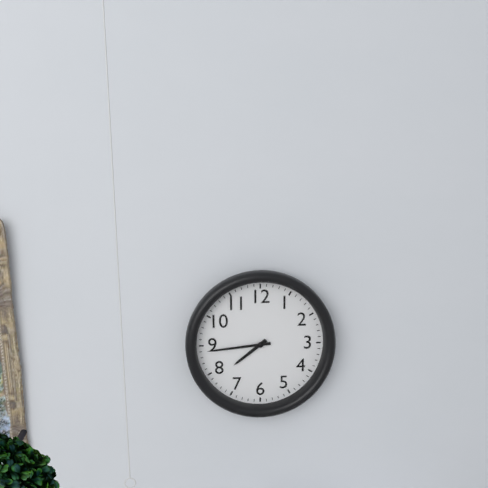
7:44
